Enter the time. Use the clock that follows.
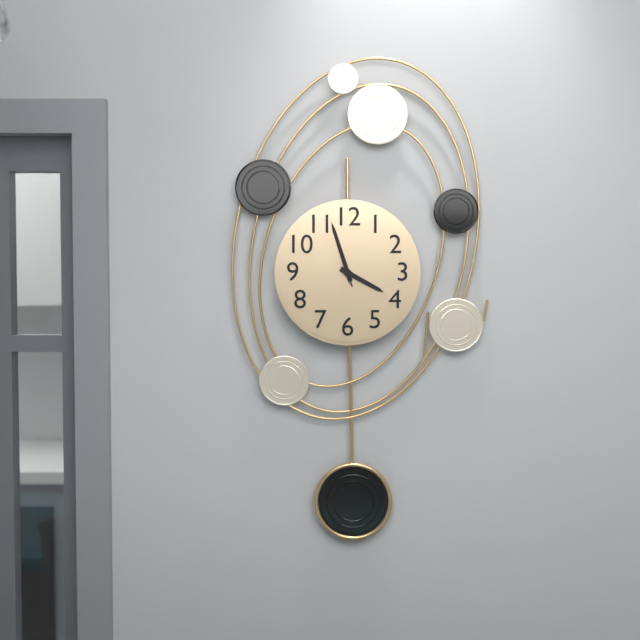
3:57:57
